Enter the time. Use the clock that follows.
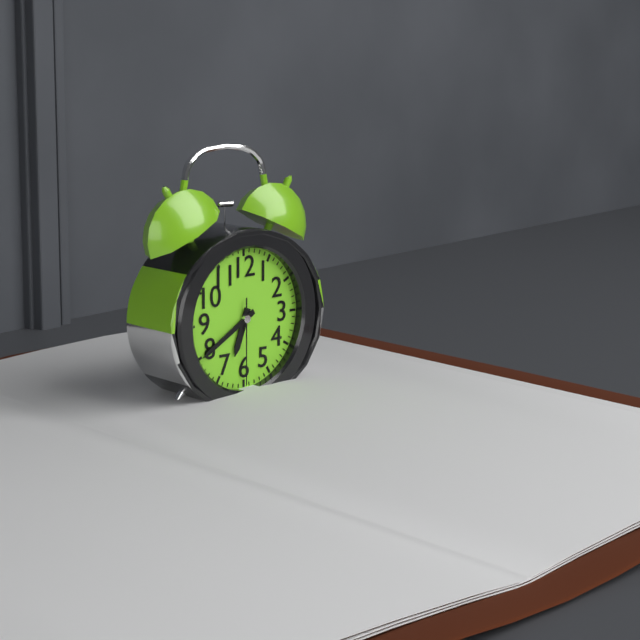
6:40:30
